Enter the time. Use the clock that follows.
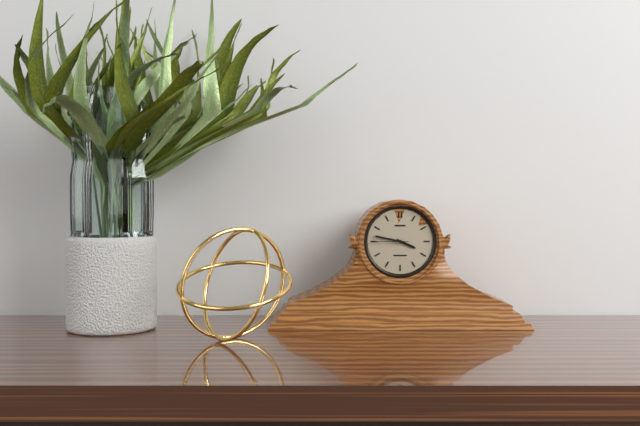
3:47
